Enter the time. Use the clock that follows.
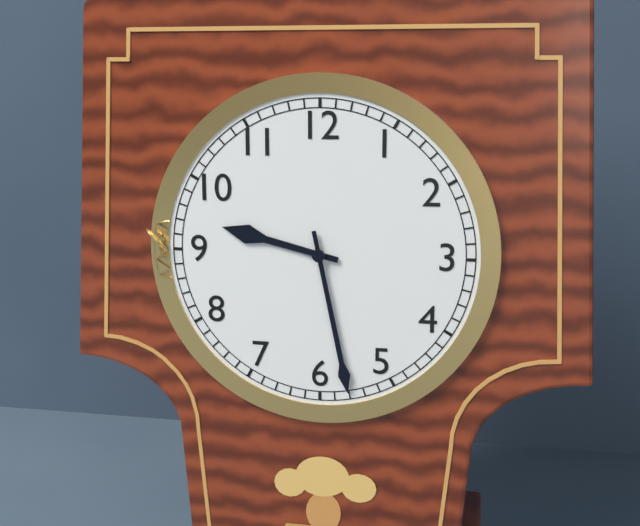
9:28
